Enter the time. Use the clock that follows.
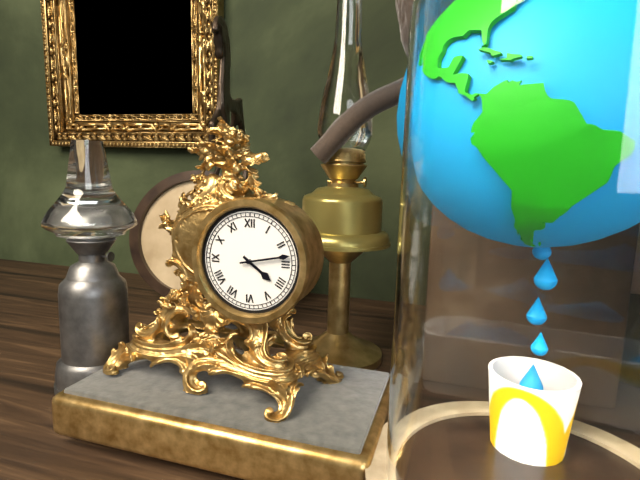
4:13
